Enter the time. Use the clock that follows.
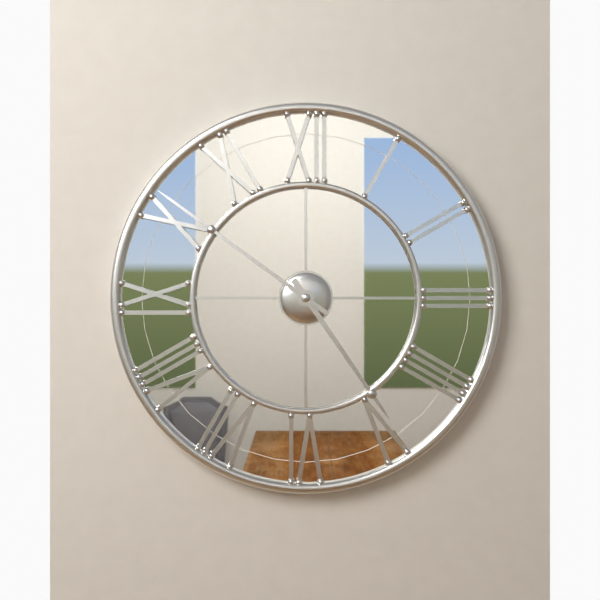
4:51
